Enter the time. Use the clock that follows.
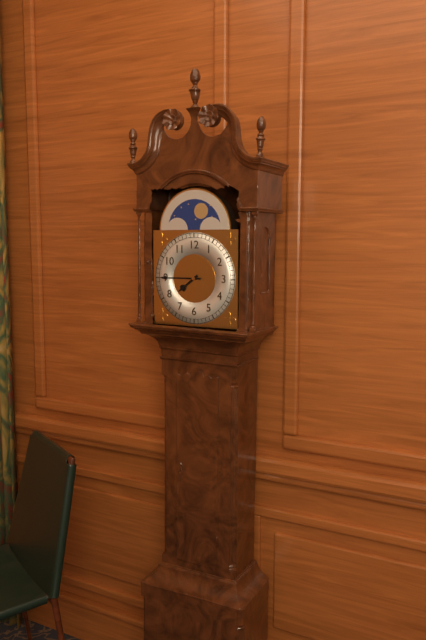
7:45
